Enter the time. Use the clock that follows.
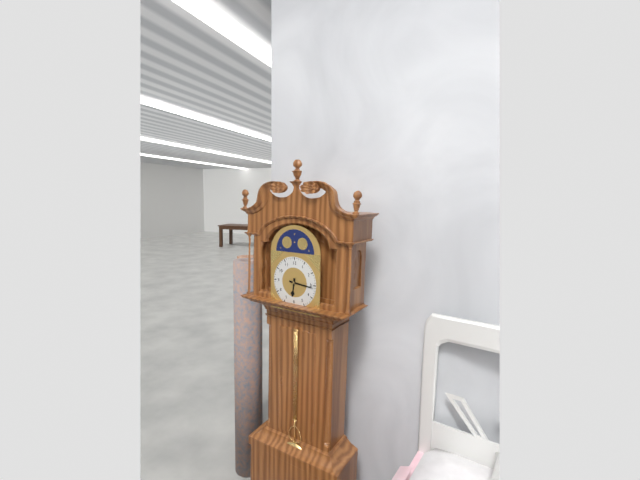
6:16
